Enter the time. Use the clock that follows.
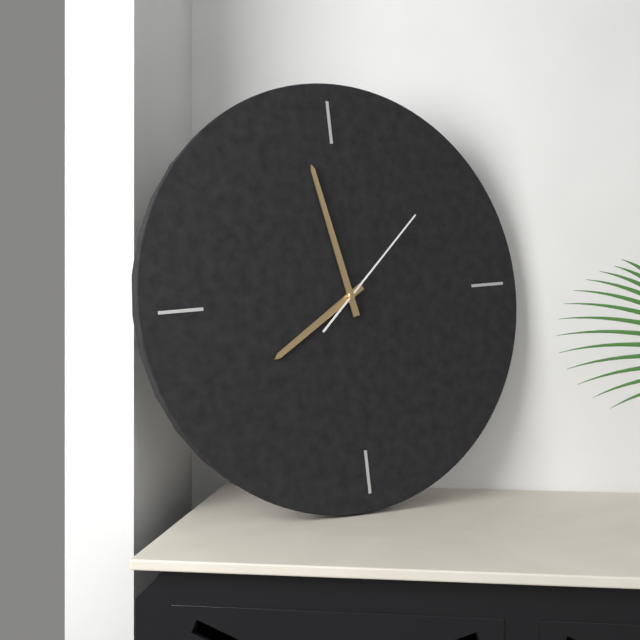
7:58:08
